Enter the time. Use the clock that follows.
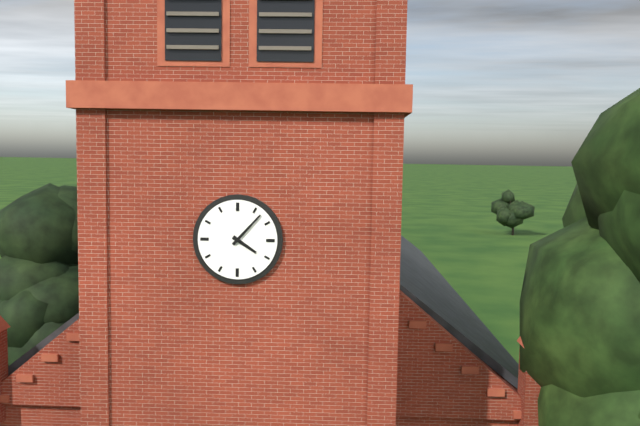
4:07
